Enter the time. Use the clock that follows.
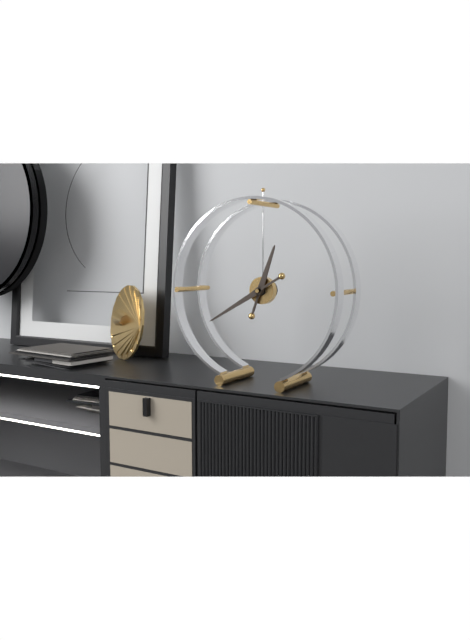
12:40
